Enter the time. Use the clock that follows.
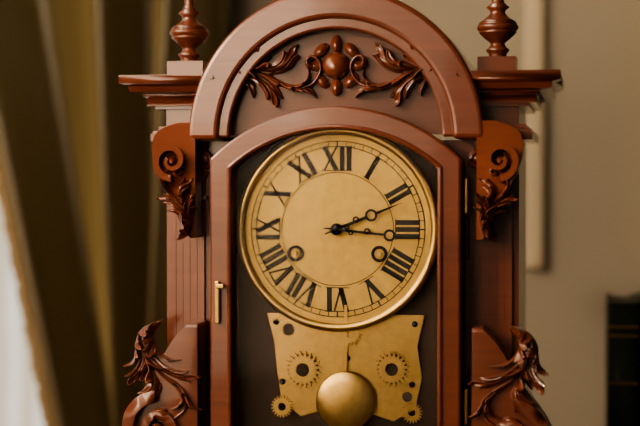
2:16
